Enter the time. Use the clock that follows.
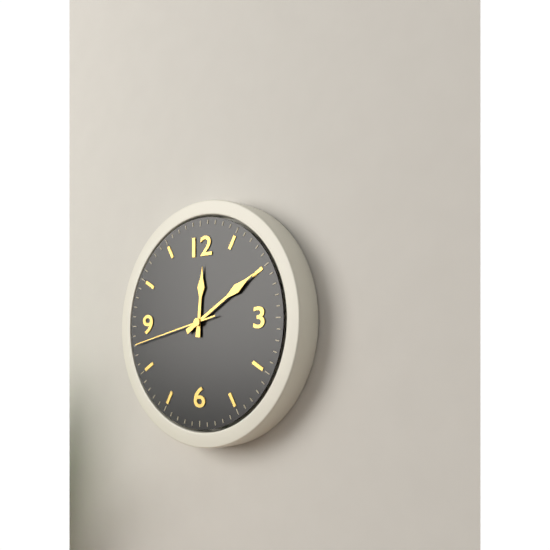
12:10:43
